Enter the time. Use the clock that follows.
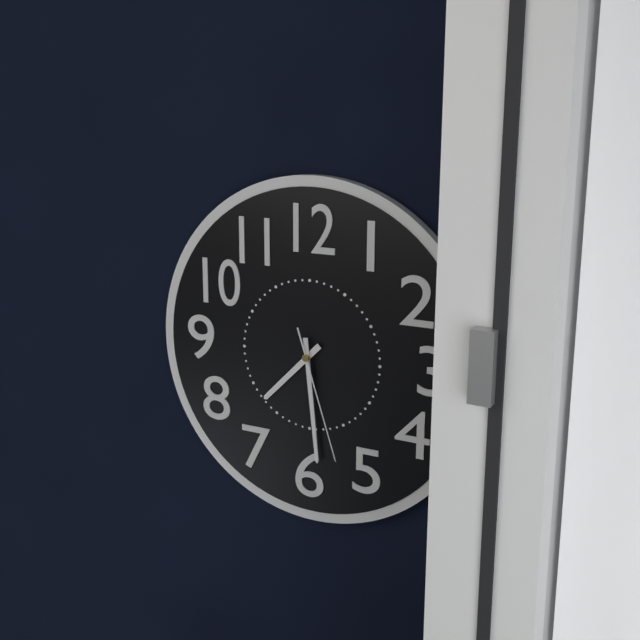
7:29:27
